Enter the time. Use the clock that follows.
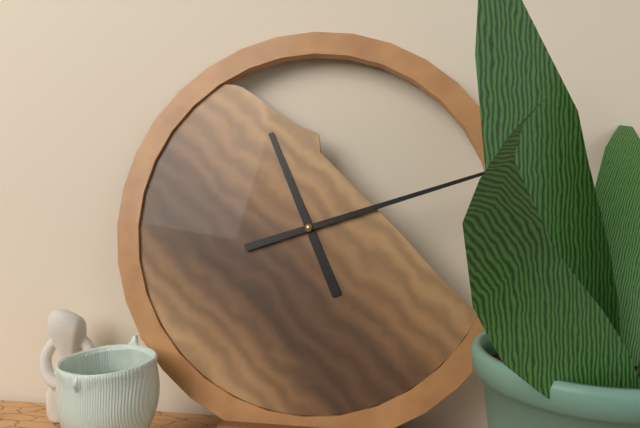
11:12
